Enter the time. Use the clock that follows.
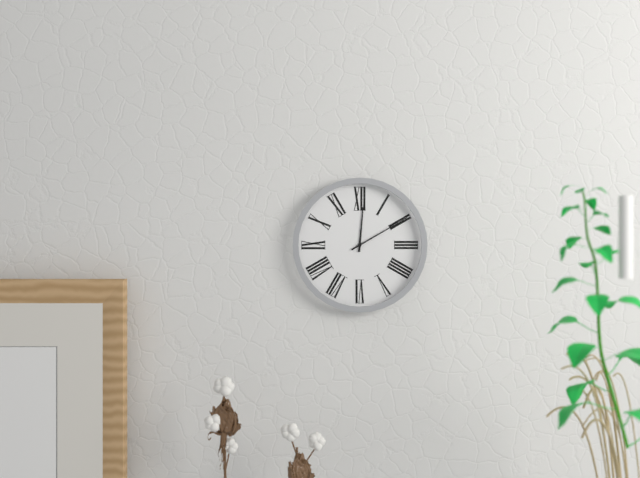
12:10
